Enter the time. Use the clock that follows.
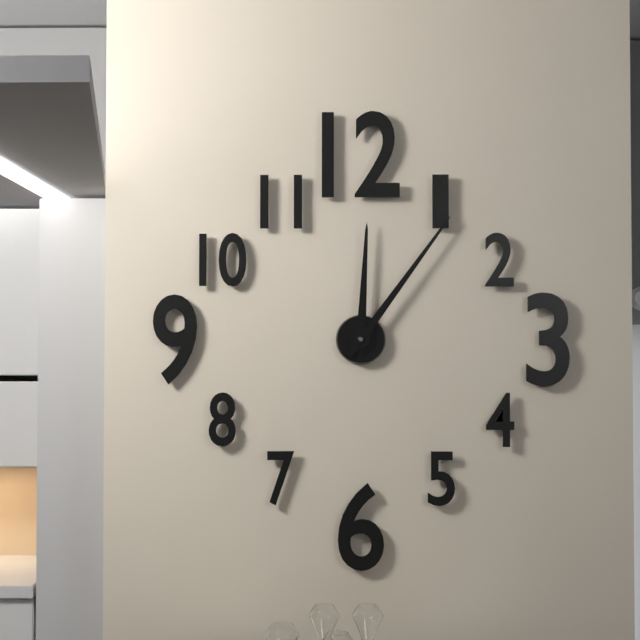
12:06
